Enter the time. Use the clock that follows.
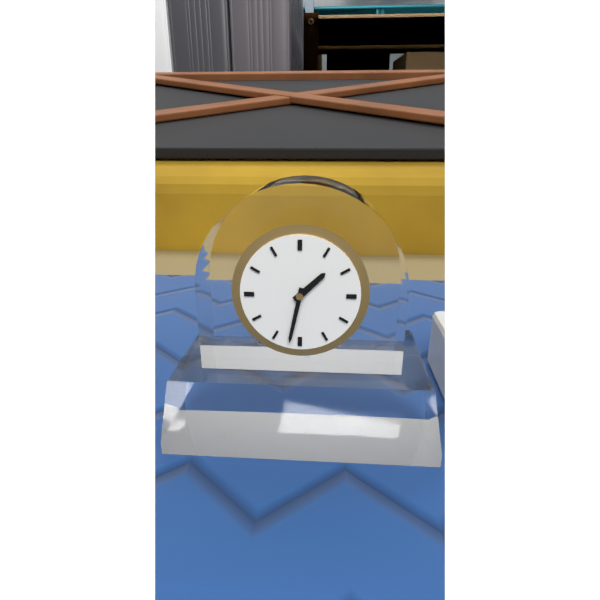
1:32
